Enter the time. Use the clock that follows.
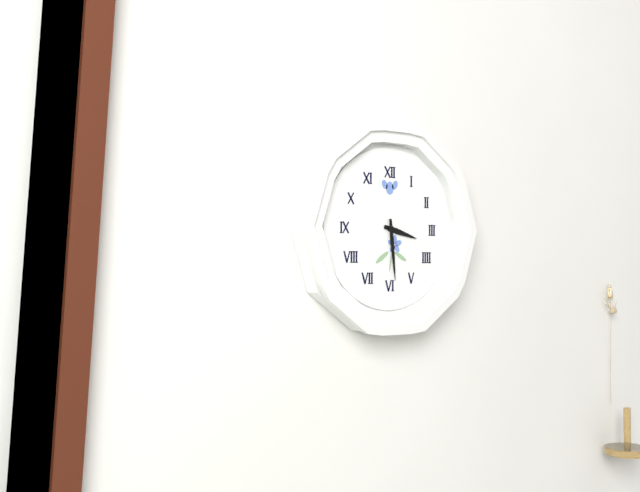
3:29
